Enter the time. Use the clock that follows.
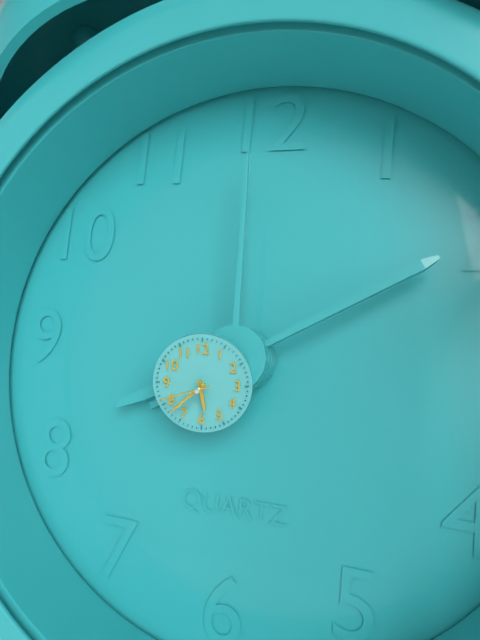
5:38:42
